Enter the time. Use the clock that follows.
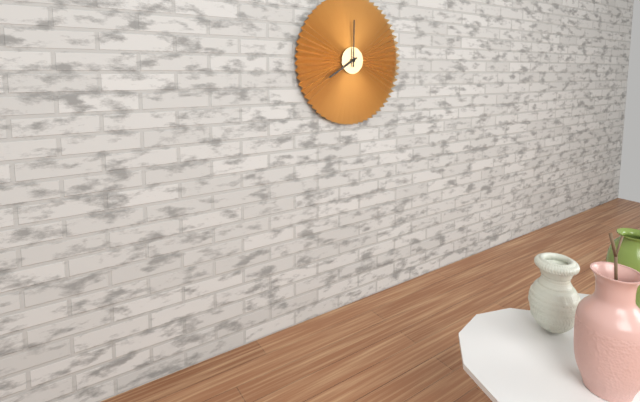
8:00
